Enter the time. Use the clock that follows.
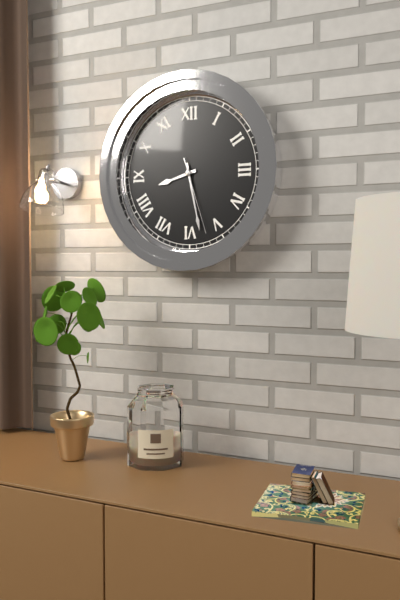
8:28:27
